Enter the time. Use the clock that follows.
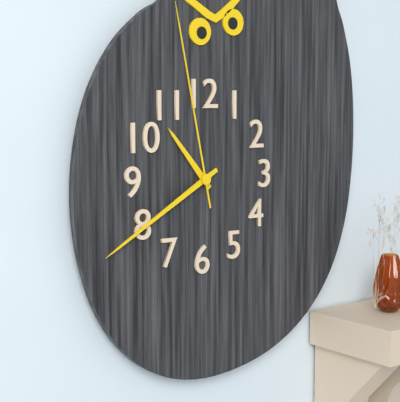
10:40:58
